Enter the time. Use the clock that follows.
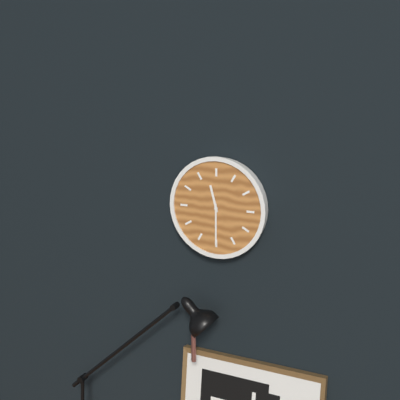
11:30
